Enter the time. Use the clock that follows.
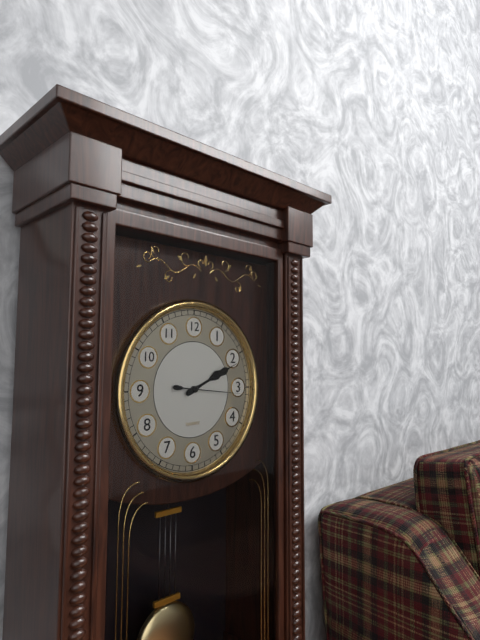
2:11:16
